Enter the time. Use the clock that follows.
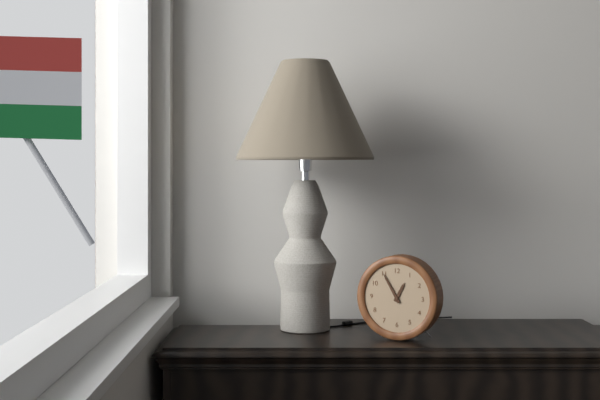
12:55
